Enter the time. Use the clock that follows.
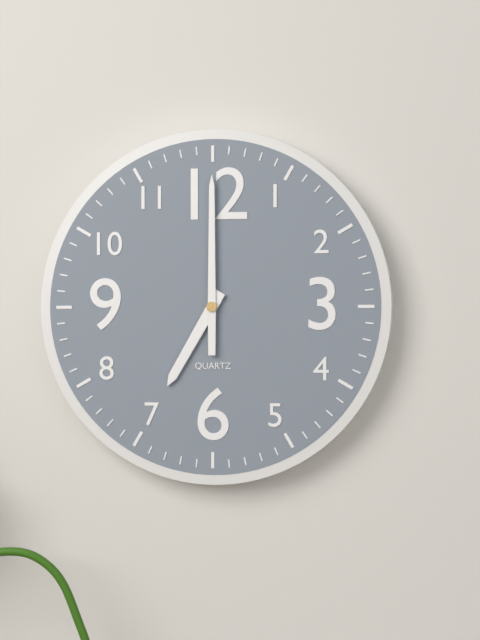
7:00
